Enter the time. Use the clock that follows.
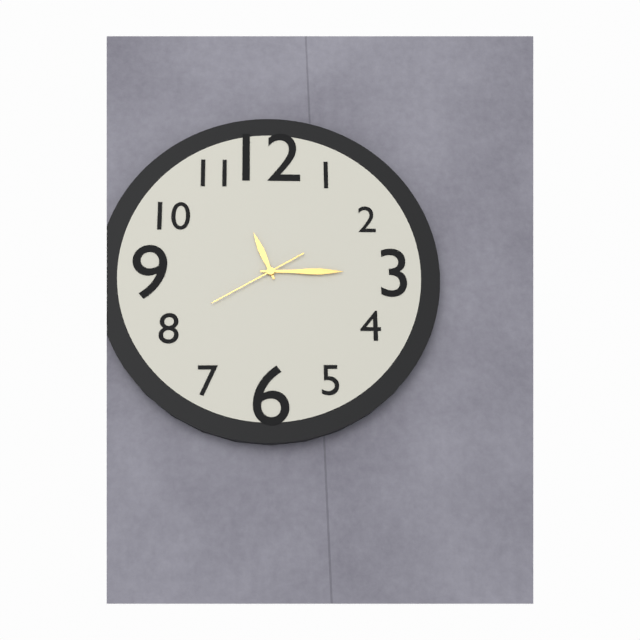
11:15:40
